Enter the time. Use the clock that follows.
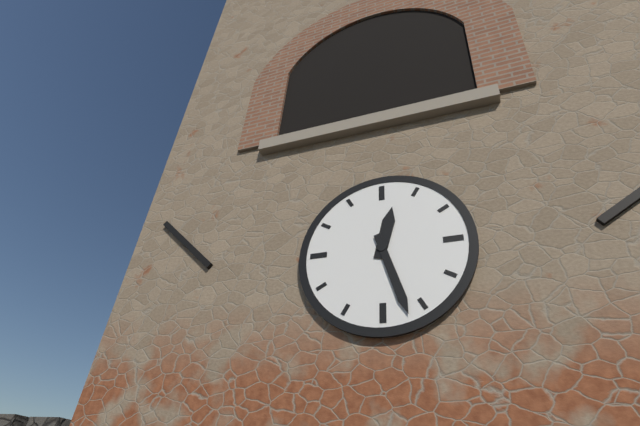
12:27
